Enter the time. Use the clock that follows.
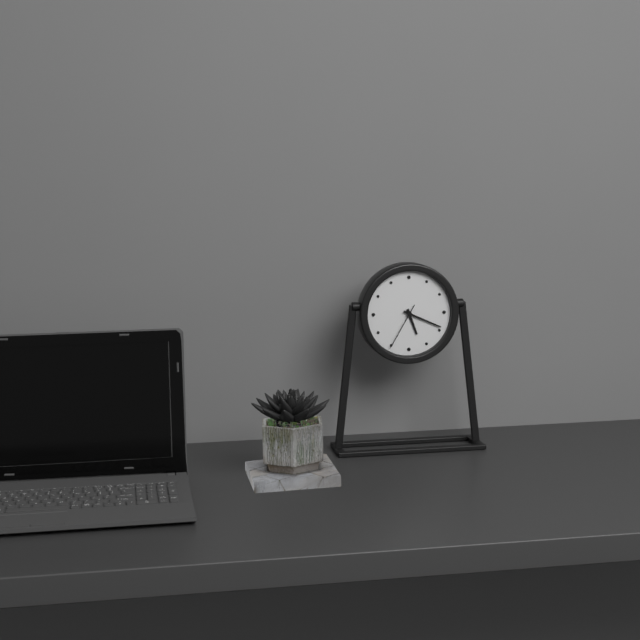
5:19
